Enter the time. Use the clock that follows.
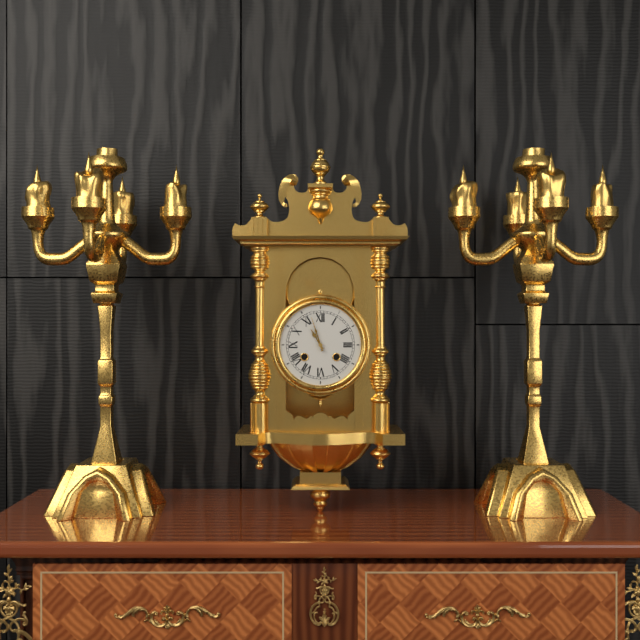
10:57
